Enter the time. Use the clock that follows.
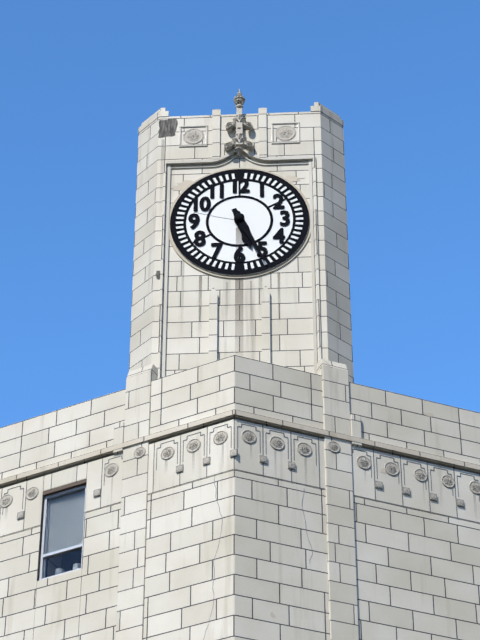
5:26
